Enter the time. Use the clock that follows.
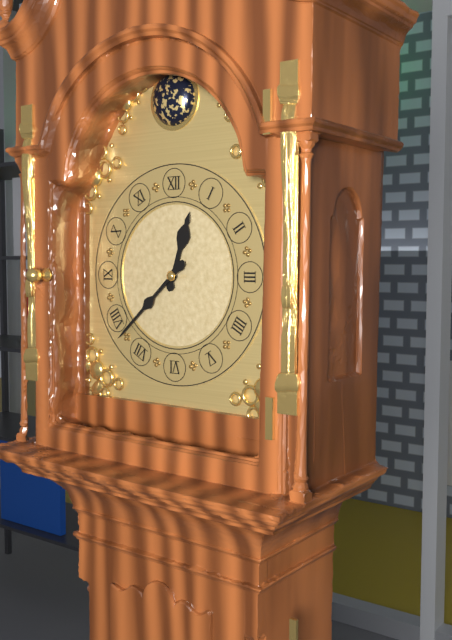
12:38
